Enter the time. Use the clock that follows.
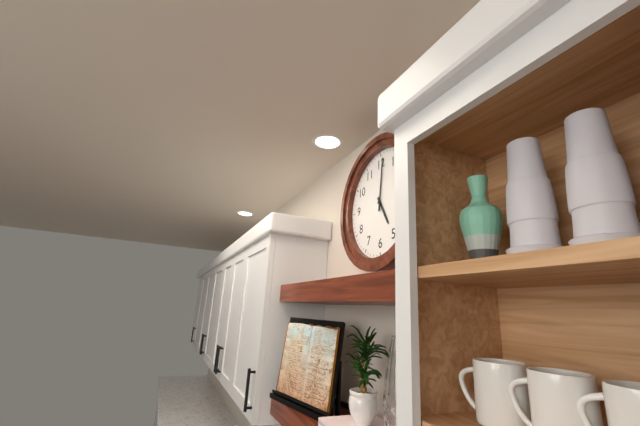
5:01
